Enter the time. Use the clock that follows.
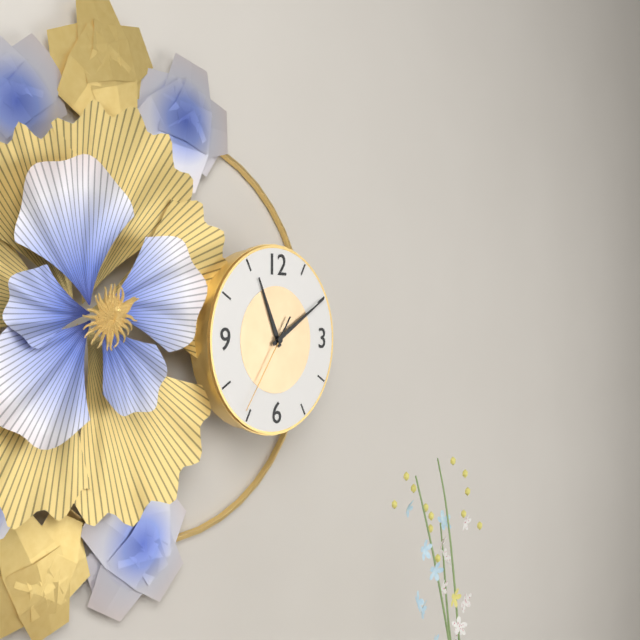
11:10:36
